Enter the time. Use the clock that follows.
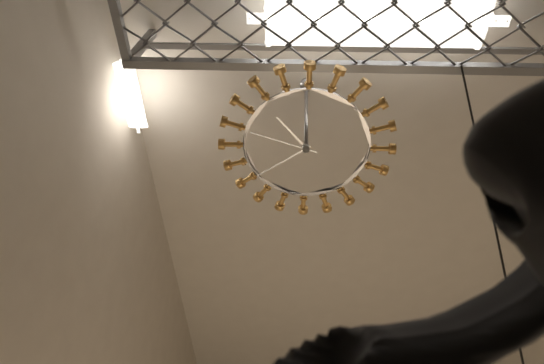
10:39:48
